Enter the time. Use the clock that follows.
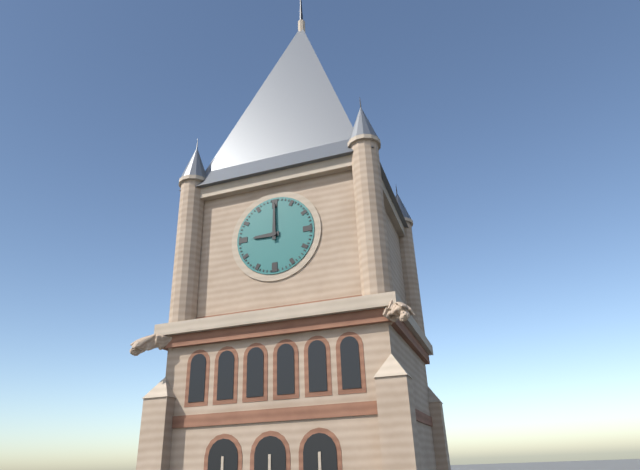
9:00
